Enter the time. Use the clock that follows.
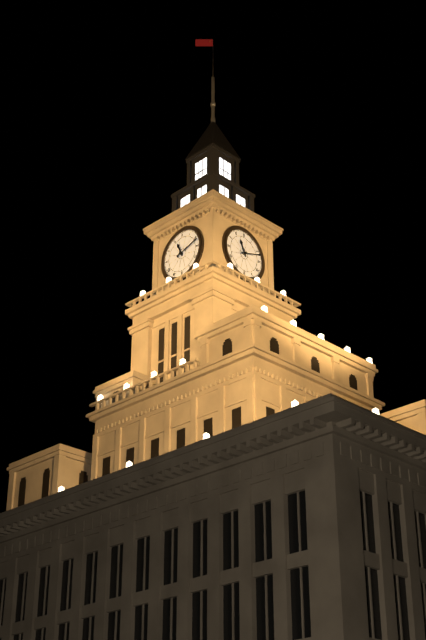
11:12
